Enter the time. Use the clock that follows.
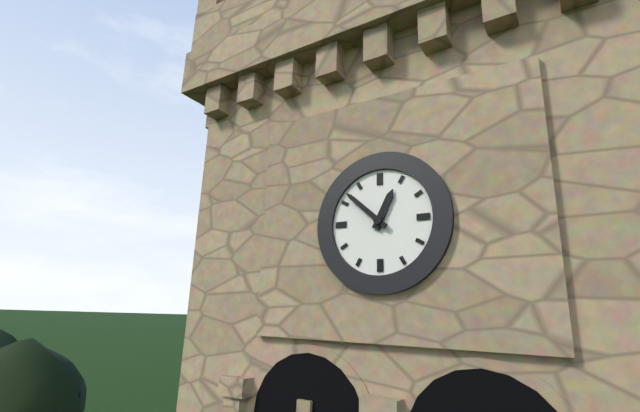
12:52
